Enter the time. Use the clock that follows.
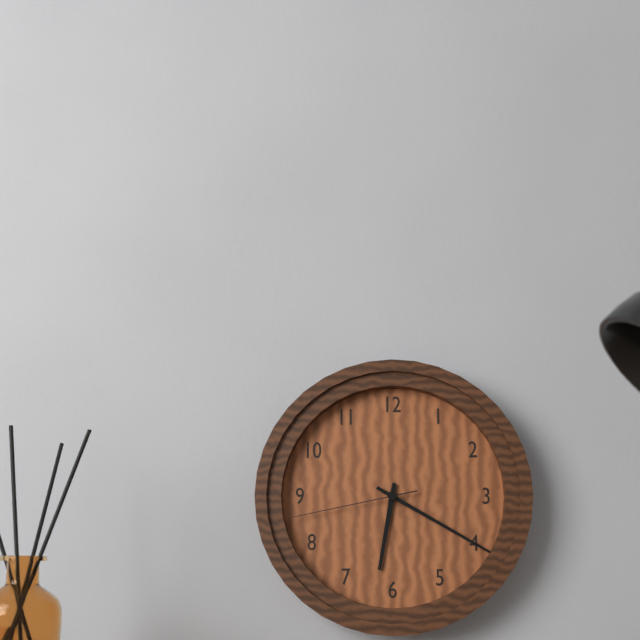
6:20:43
